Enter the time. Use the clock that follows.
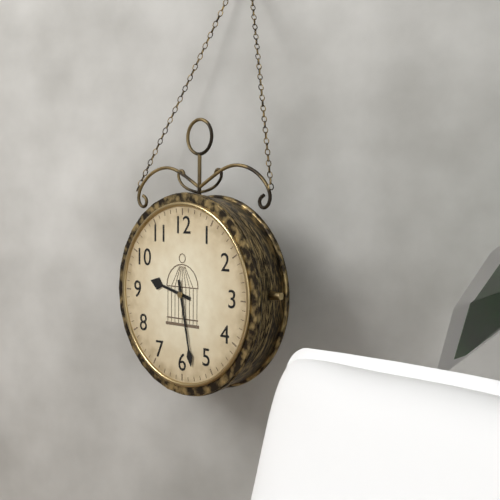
9:28
